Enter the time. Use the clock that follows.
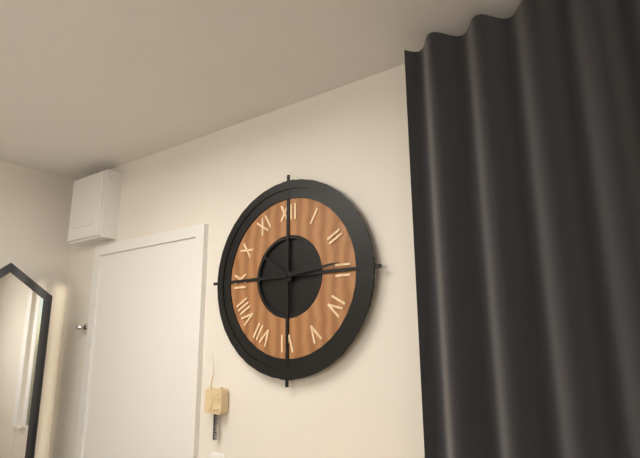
10:14
